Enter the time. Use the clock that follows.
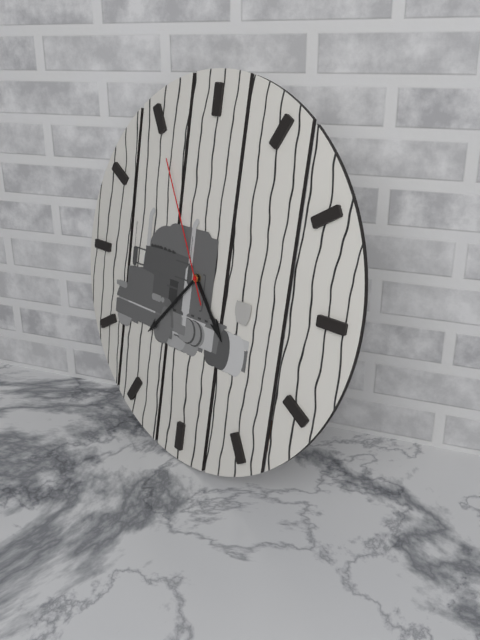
4:37:55
